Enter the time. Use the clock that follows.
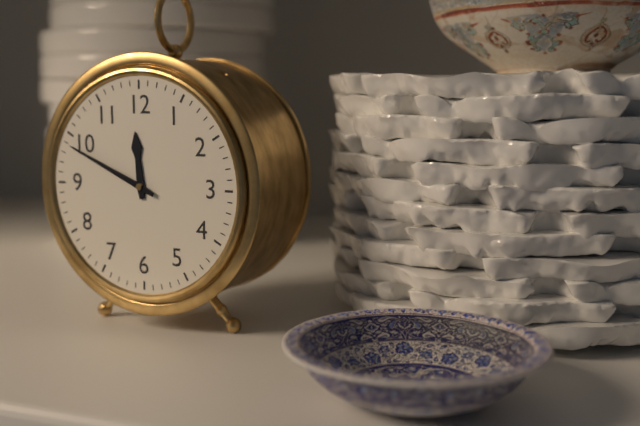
11:49
